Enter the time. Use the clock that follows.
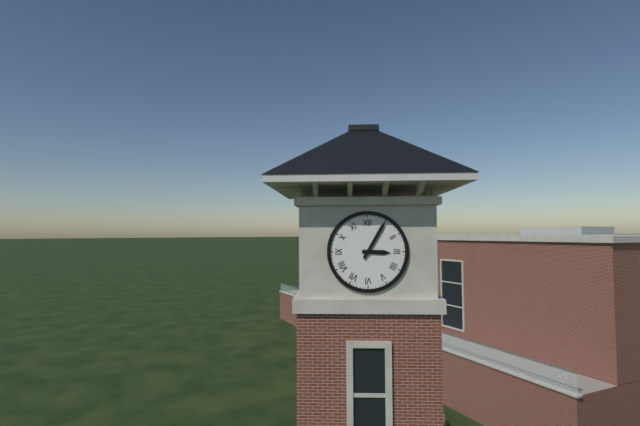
3:05
